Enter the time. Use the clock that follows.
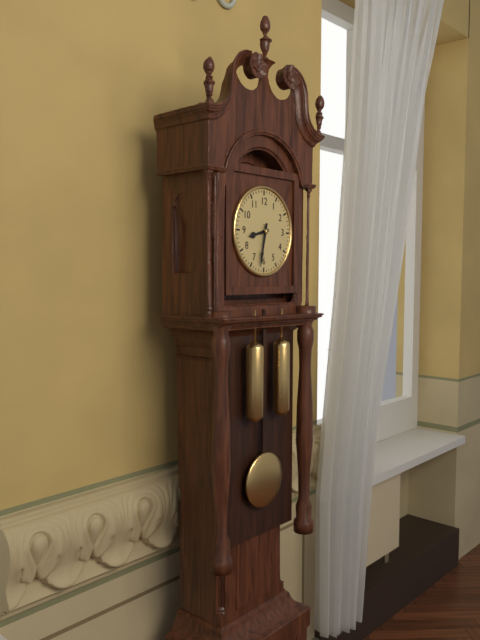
8:32
